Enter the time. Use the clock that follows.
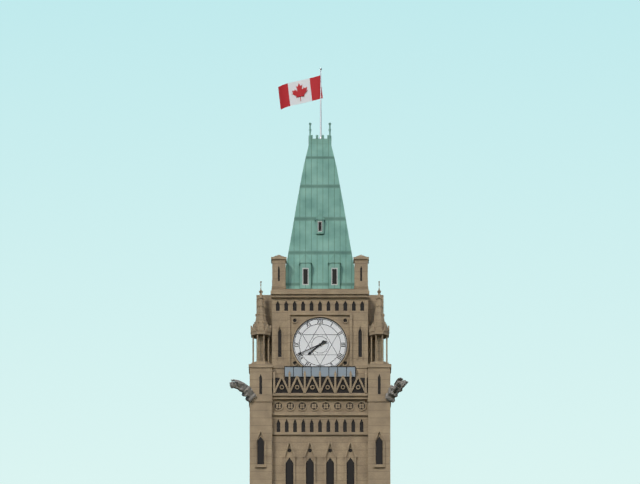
7:41
